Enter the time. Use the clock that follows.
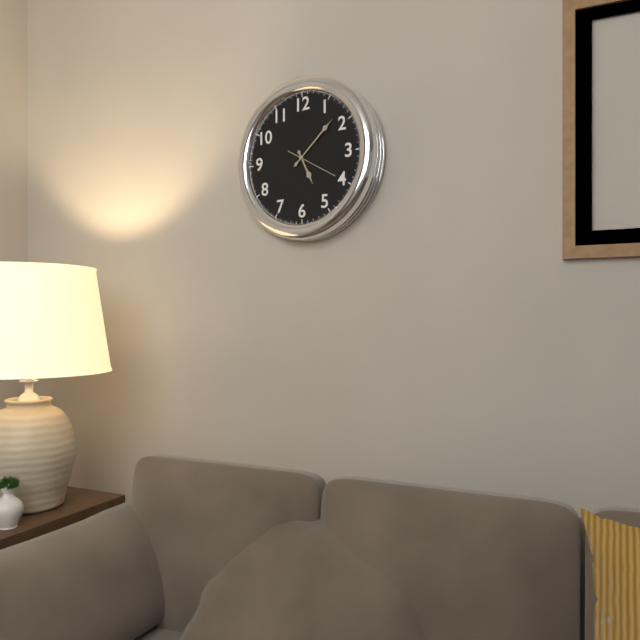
5:08
